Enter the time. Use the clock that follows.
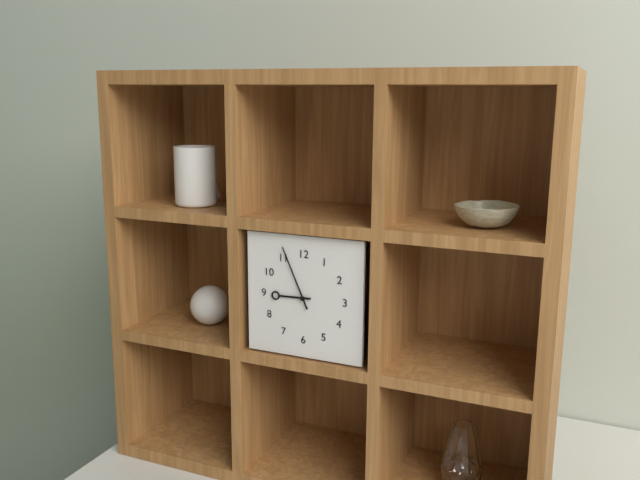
8:56
